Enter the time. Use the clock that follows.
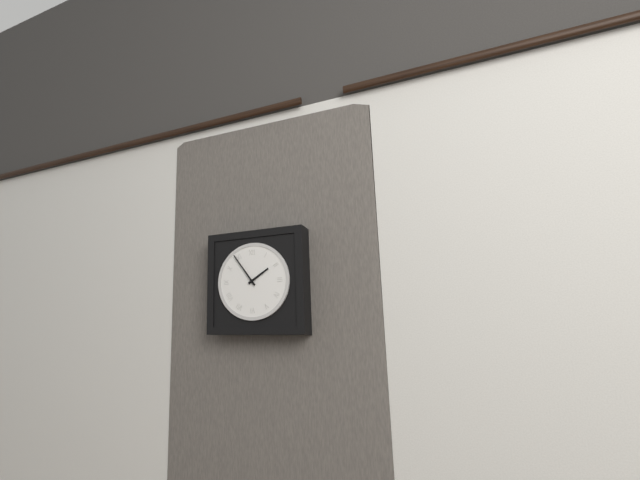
1:54
